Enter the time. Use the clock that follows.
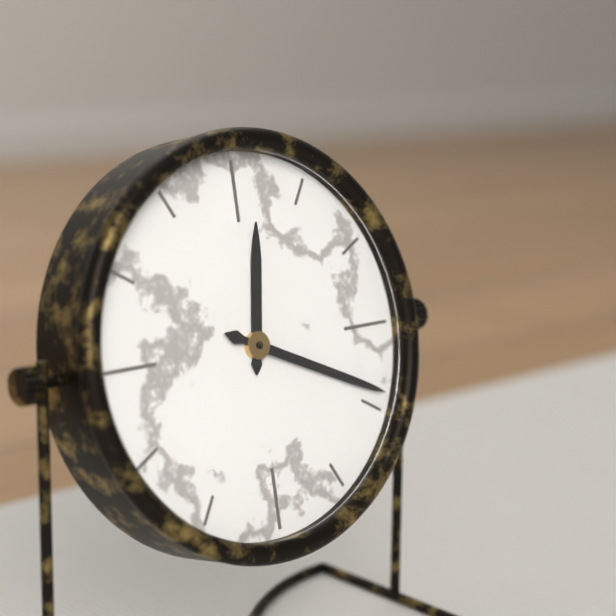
12:19
